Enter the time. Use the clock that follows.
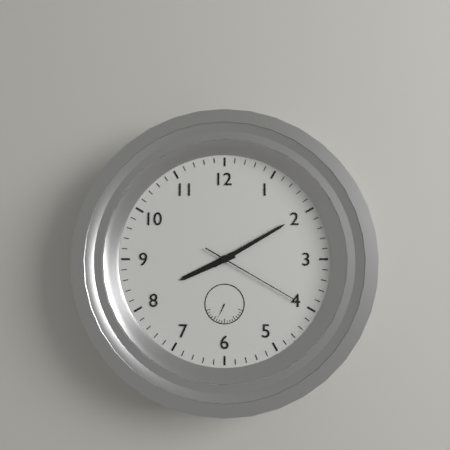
8:10:20
